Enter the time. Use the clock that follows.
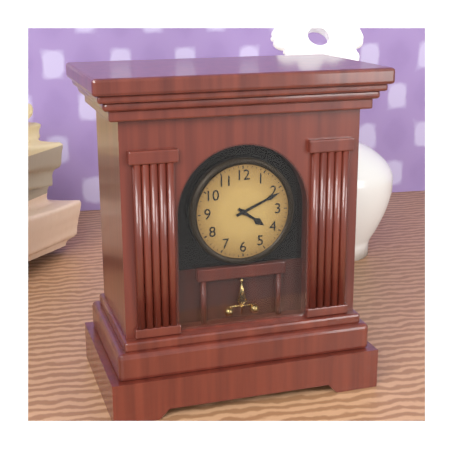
4:11
